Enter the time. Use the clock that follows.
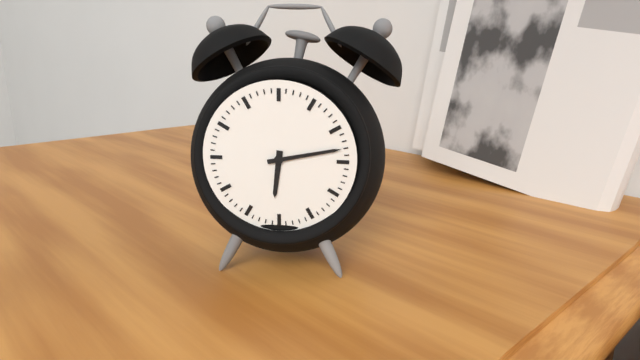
6:13
